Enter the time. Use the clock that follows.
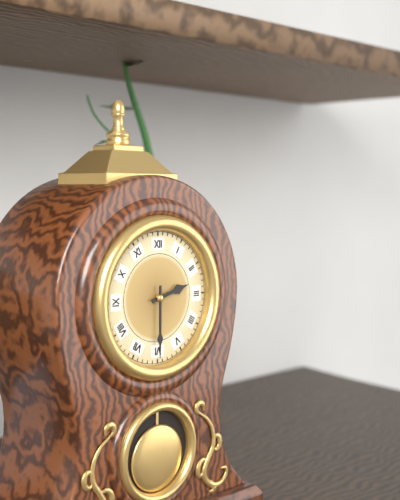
2:30
